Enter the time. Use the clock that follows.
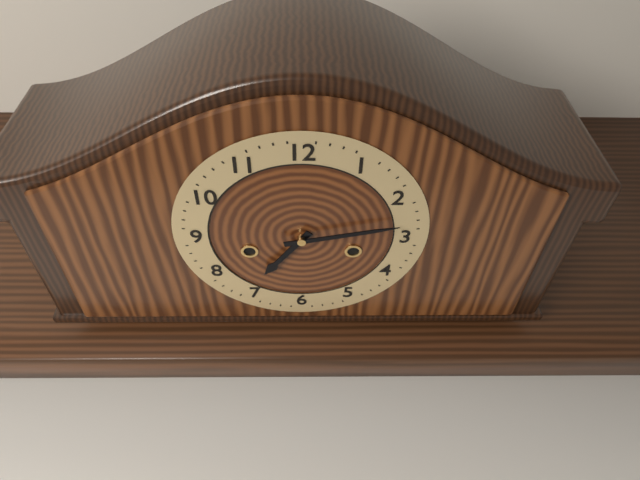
7:13
